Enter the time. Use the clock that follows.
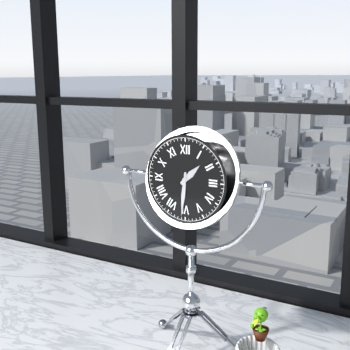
1:31
